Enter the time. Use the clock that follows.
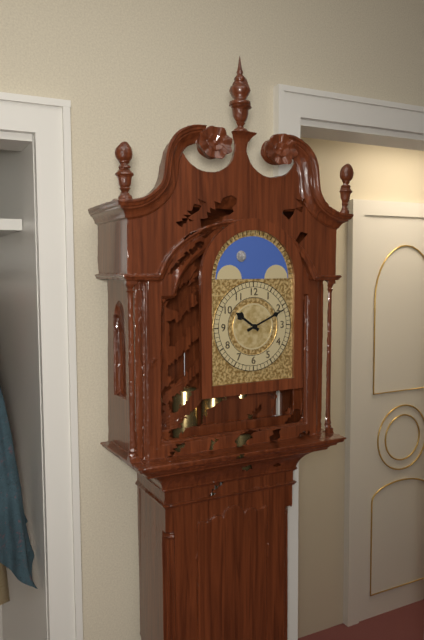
10:11
